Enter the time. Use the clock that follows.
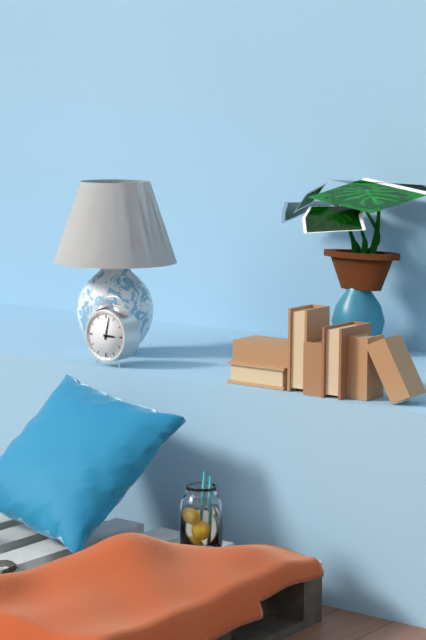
3:02
